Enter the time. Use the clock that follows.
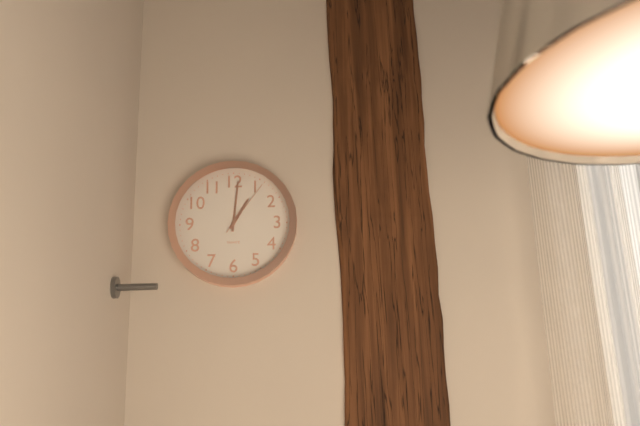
1:01:06
